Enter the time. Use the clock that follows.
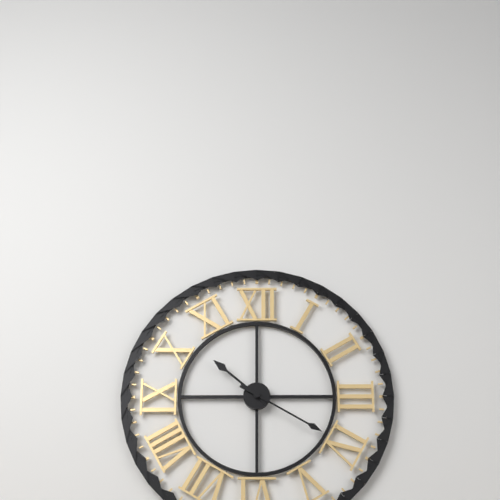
10:20
